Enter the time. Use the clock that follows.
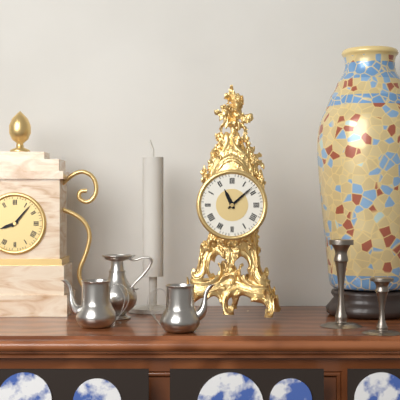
11:08
